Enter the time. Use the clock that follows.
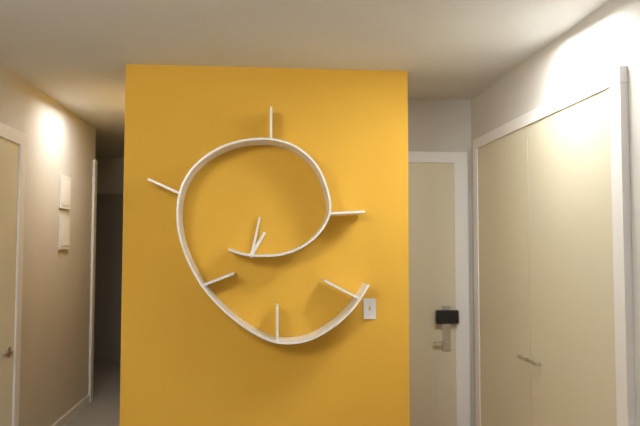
1:02
